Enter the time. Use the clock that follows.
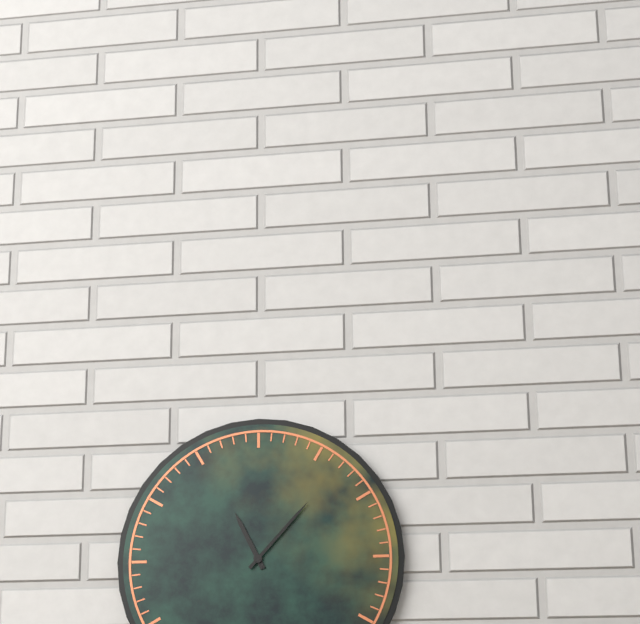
11:07
